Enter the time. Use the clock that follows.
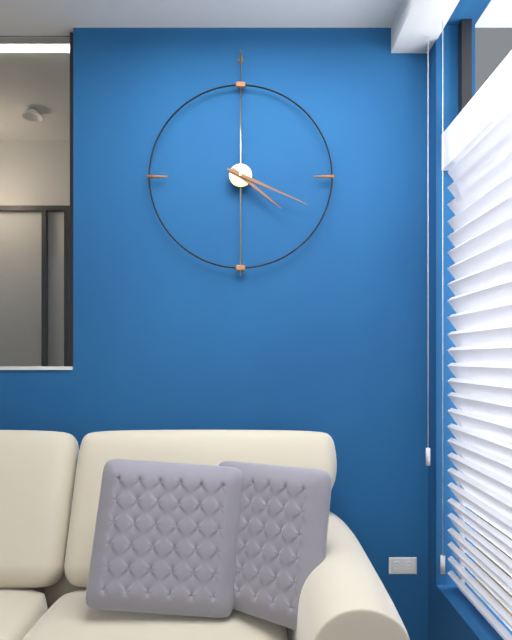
4:19
